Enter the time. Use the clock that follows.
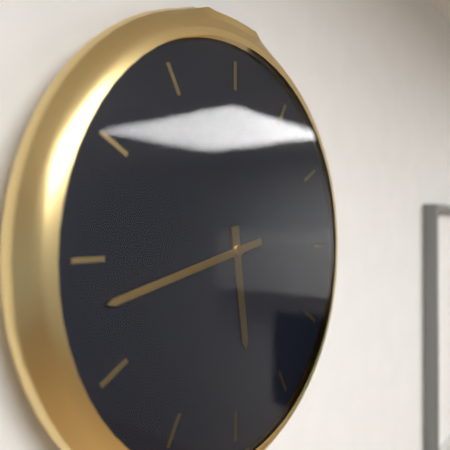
5:43
